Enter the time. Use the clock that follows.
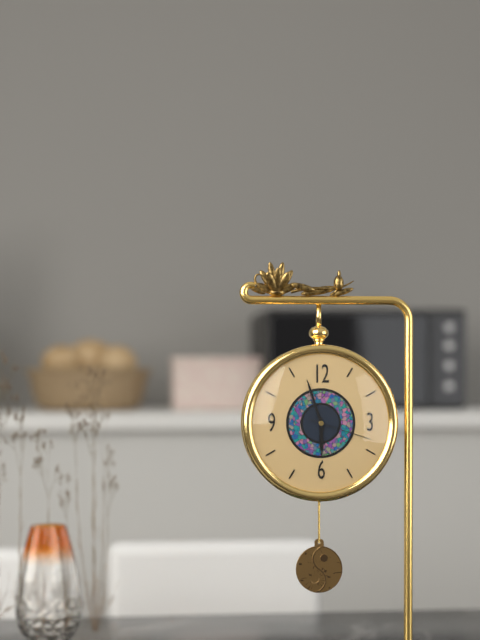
5:57:18
